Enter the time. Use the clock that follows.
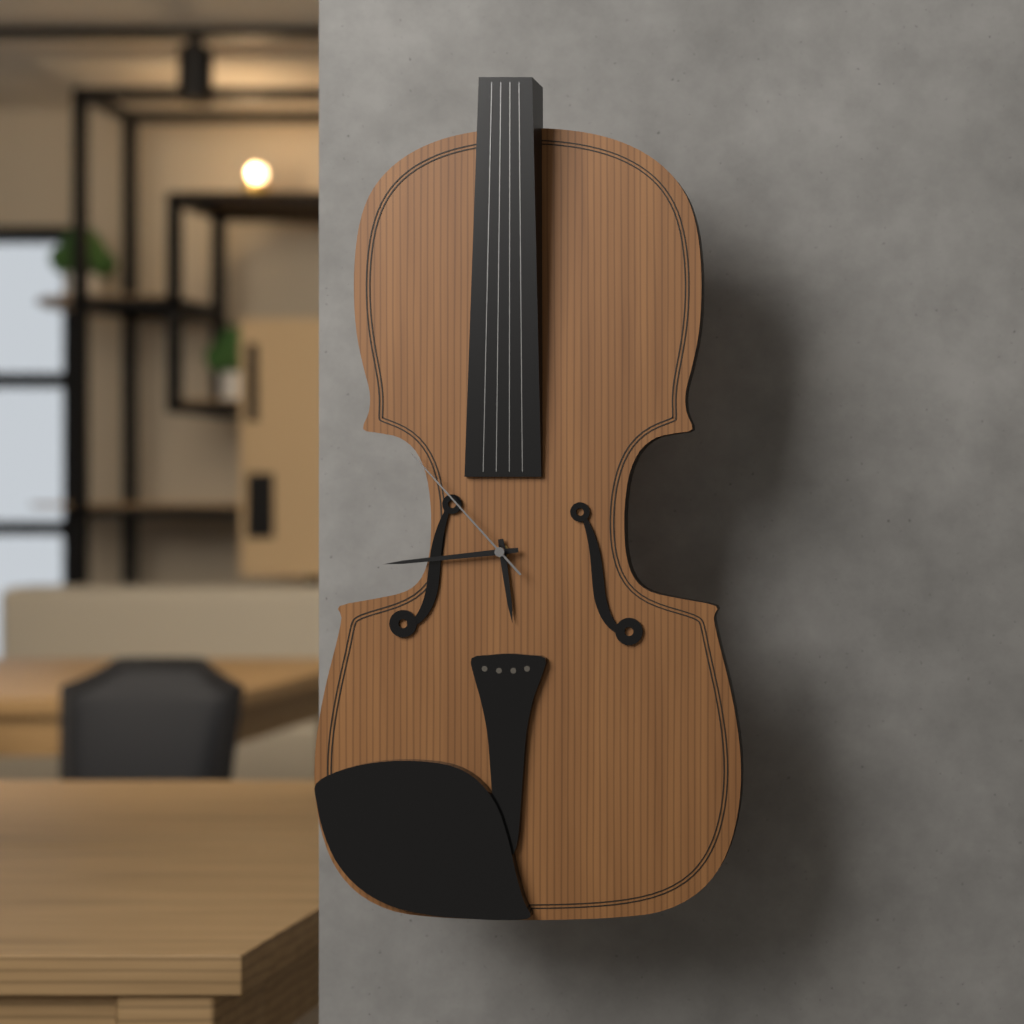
5:44:53
